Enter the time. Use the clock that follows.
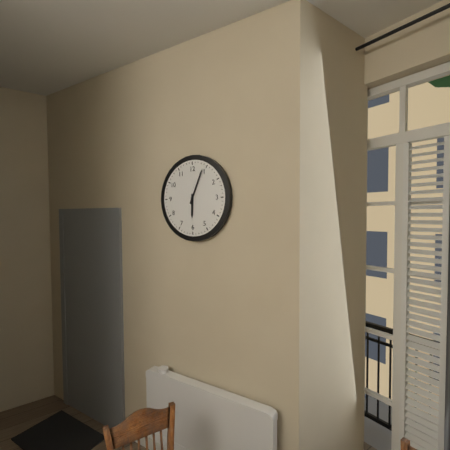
6:04
